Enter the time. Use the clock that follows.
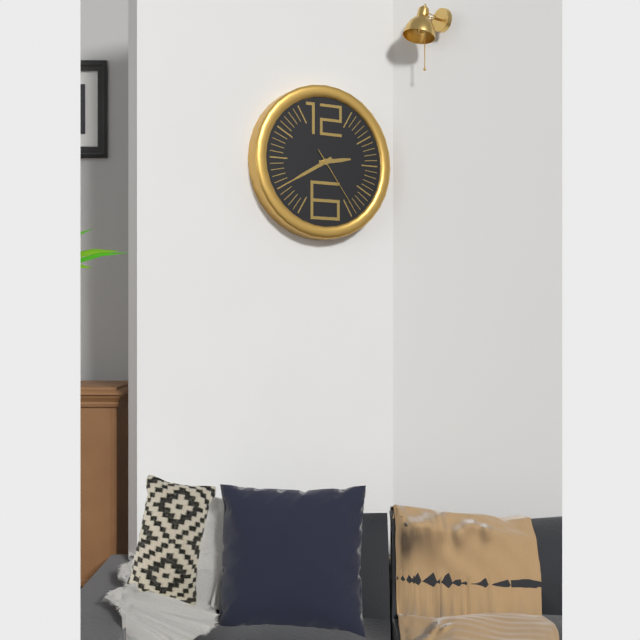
2:40:24
